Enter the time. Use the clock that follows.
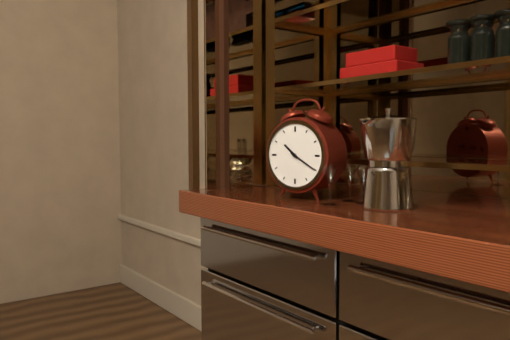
10:20
